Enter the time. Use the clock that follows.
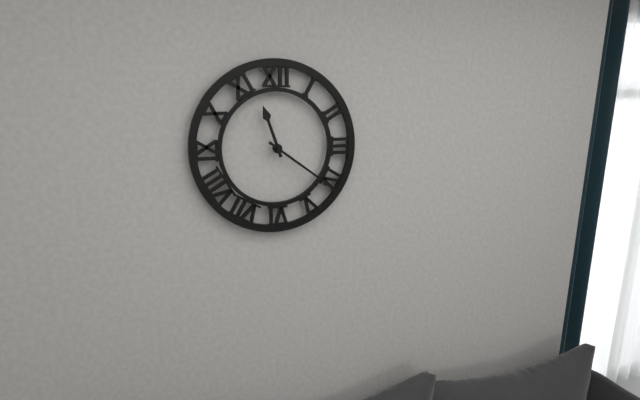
11:21
